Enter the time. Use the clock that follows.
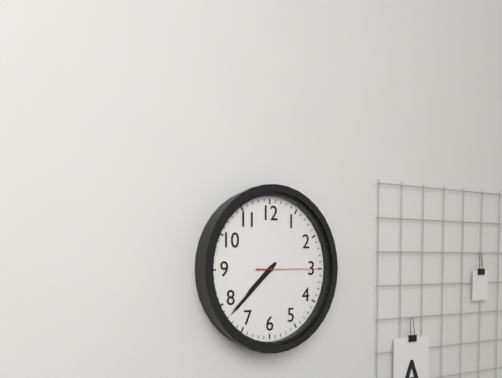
7:38:15
